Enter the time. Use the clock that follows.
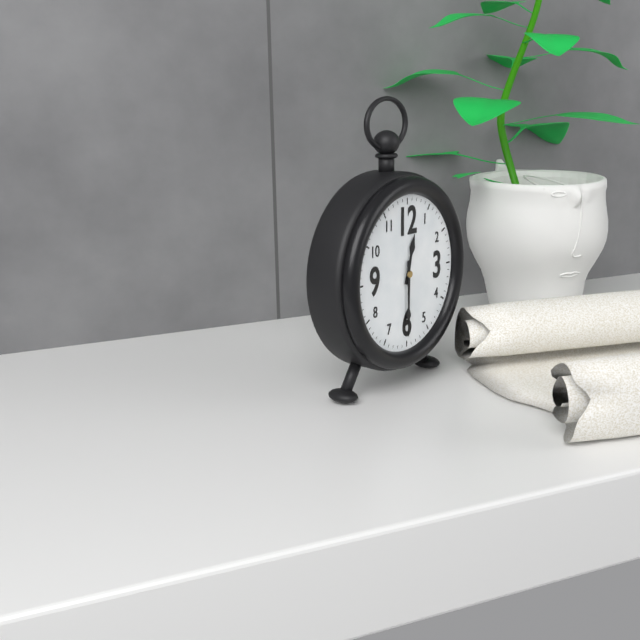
12:30
